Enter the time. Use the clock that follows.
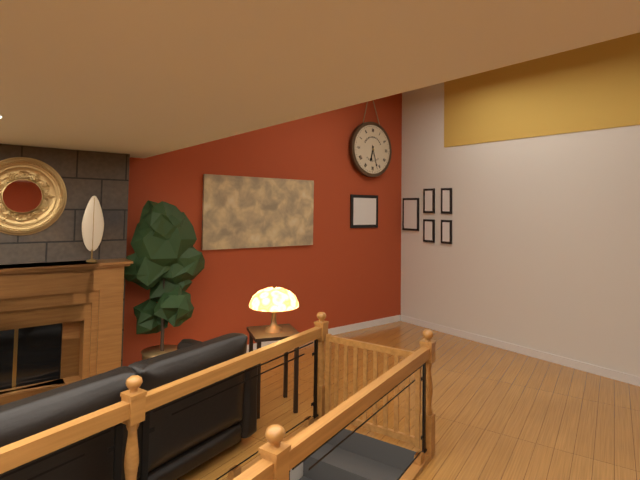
6:27
